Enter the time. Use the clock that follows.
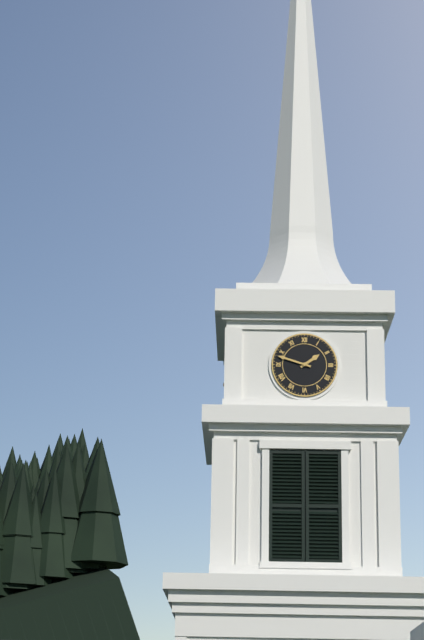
1:48
